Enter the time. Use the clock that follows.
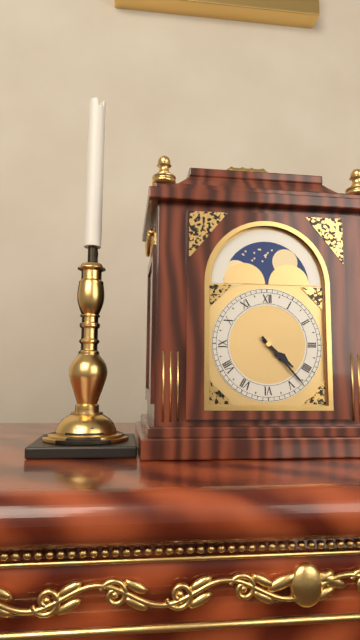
4:23
